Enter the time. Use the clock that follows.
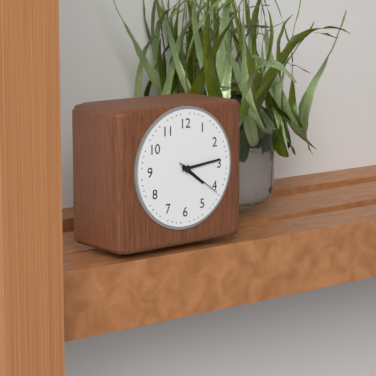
4:14
